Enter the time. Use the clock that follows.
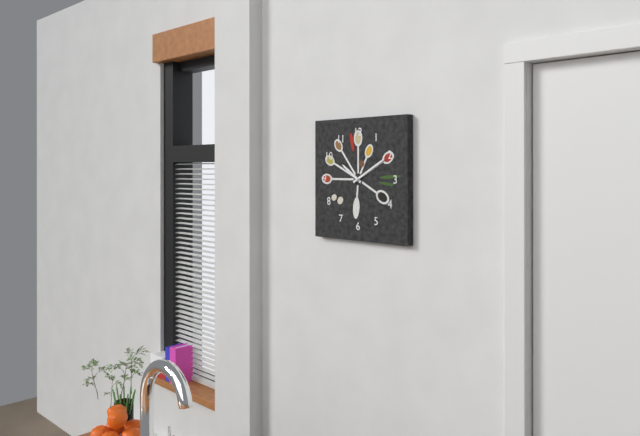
10:10
